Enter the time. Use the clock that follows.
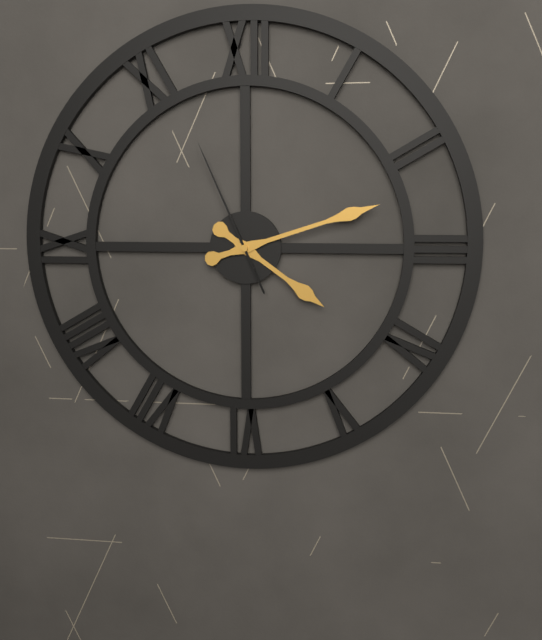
4:12:56
